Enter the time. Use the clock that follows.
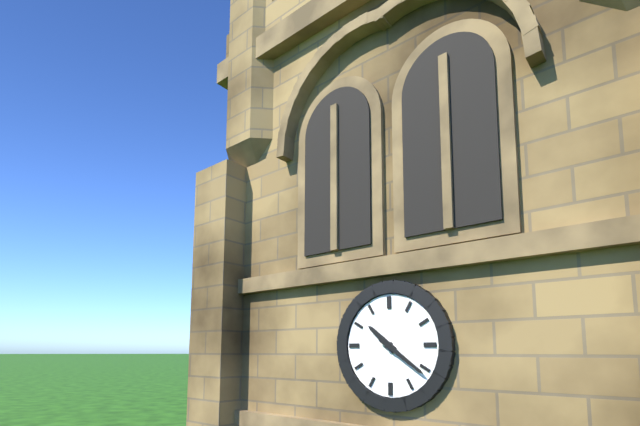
10:21
